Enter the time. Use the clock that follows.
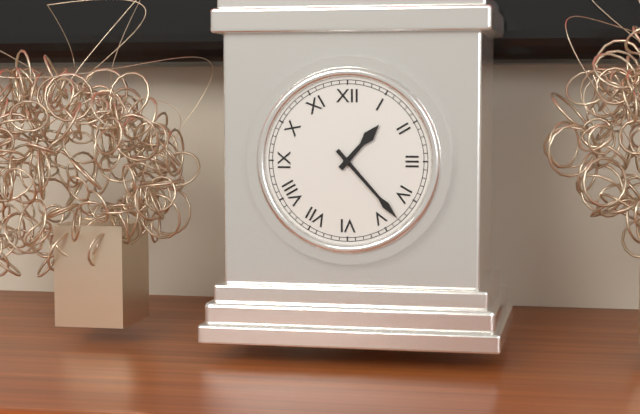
1:23
